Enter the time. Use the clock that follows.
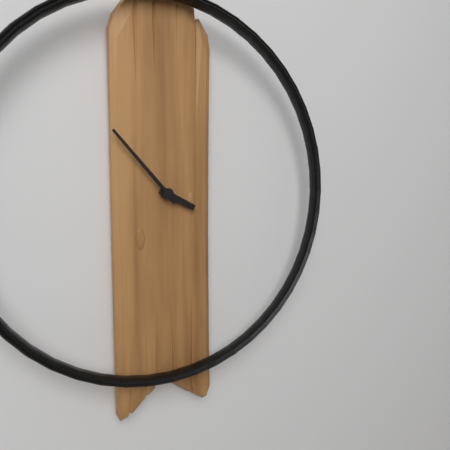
3:53
